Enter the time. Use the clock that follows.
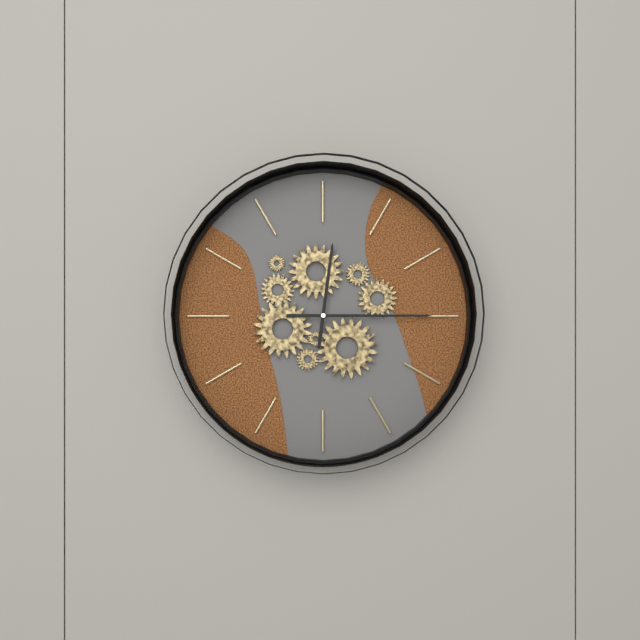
12:15
